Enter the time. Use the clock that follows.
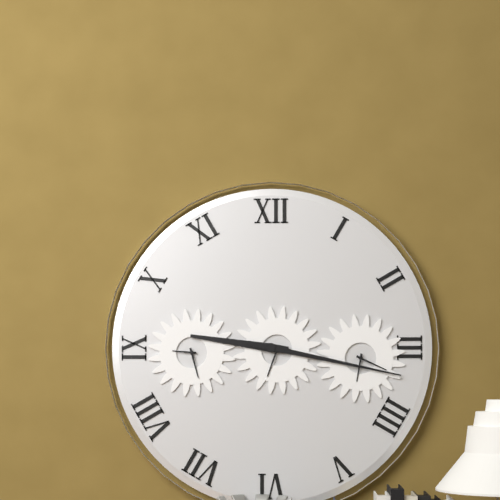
9:17
